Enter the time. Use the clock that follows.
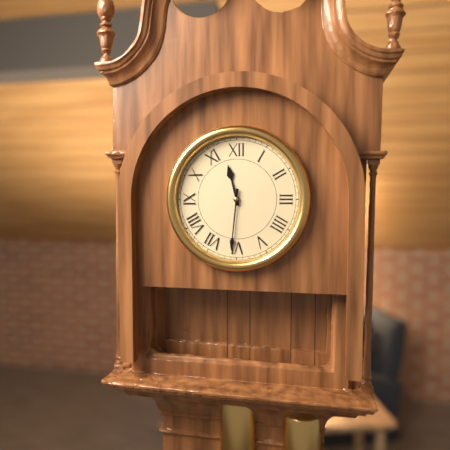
11:31
